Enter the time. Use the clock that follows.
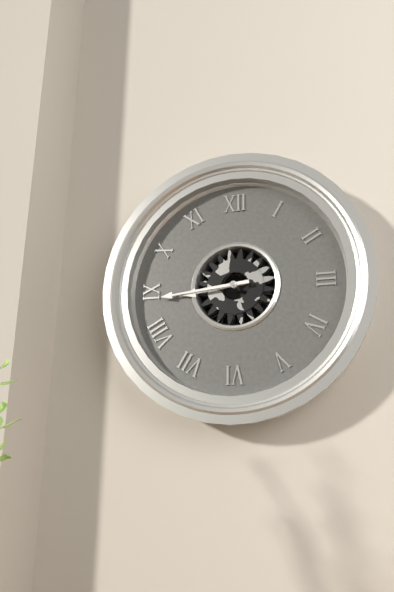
8:44
